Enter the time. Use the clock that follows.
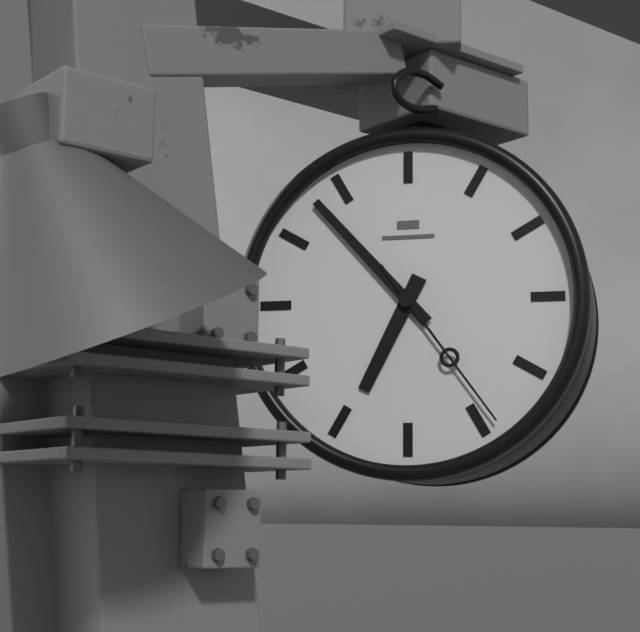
6:53:24
